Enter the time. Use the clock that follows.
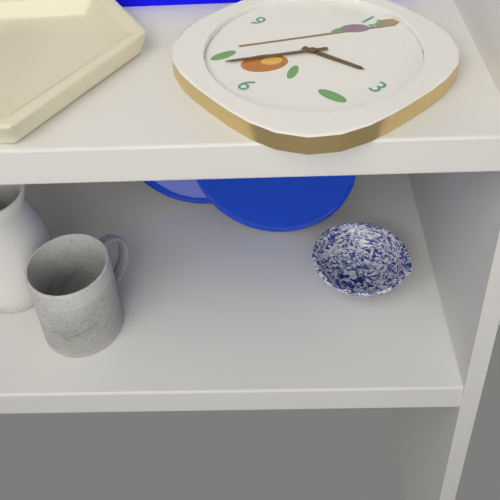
2:35
